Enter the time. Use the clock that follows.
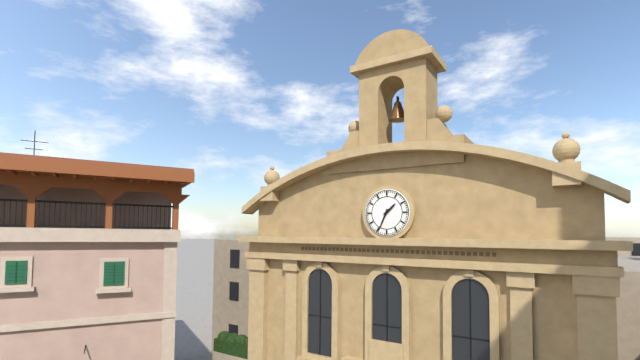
1:34
